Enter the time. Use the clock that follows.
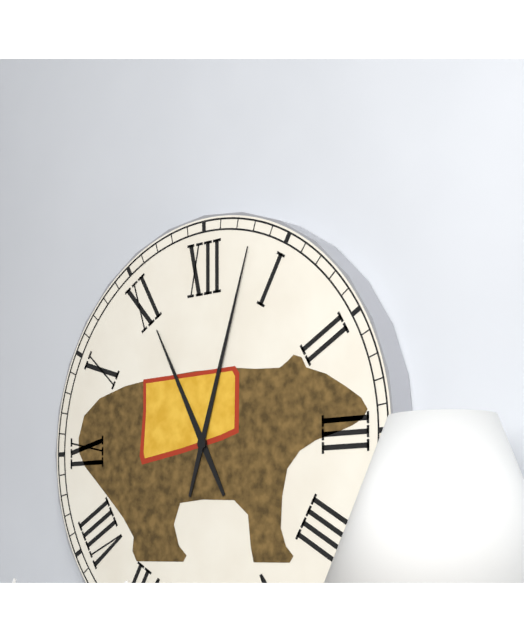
11:03
